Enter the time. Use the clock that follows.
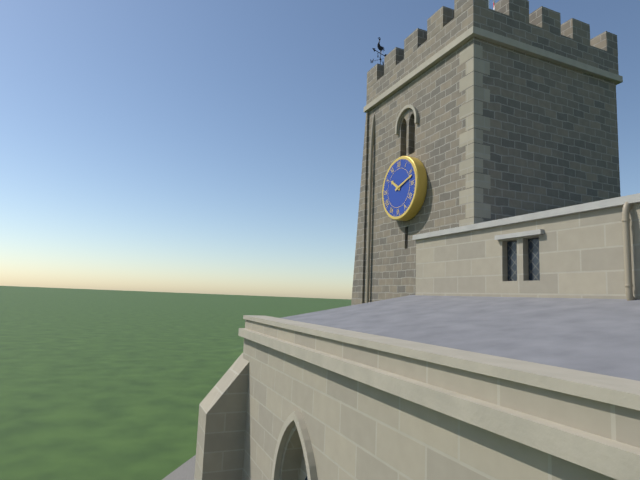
10:12
